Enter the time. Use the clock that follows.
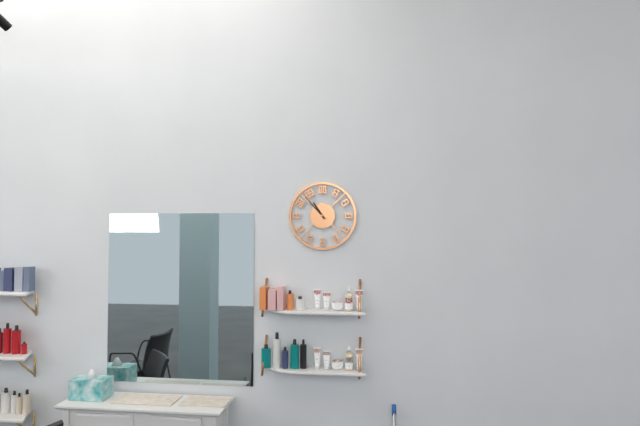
10:53
